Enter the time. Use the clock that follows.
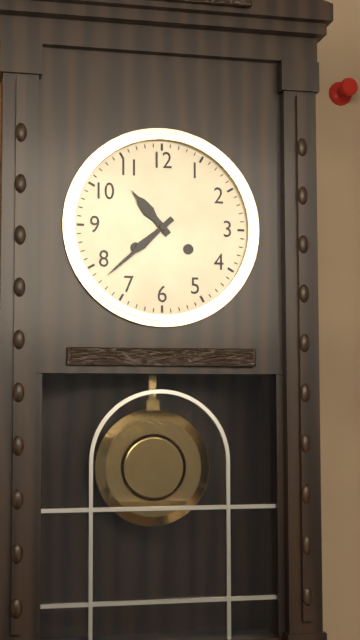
10:38
